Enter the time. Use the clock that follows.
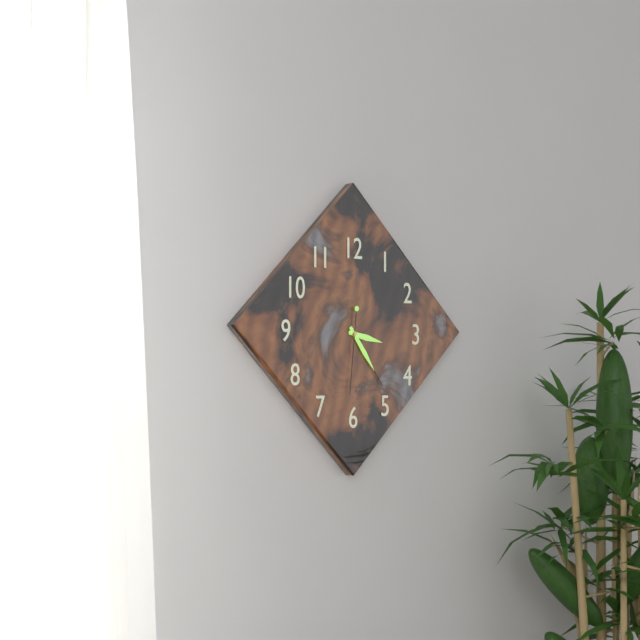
3:24:31
